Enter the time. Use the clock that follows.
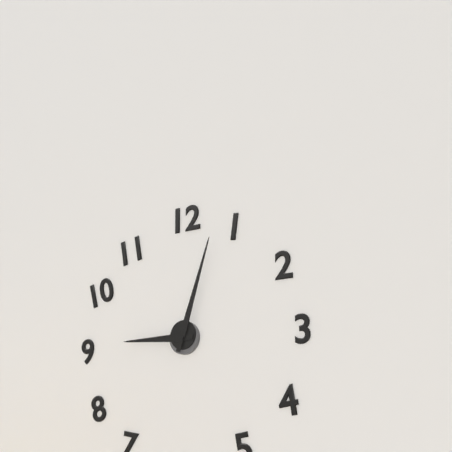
9:03
